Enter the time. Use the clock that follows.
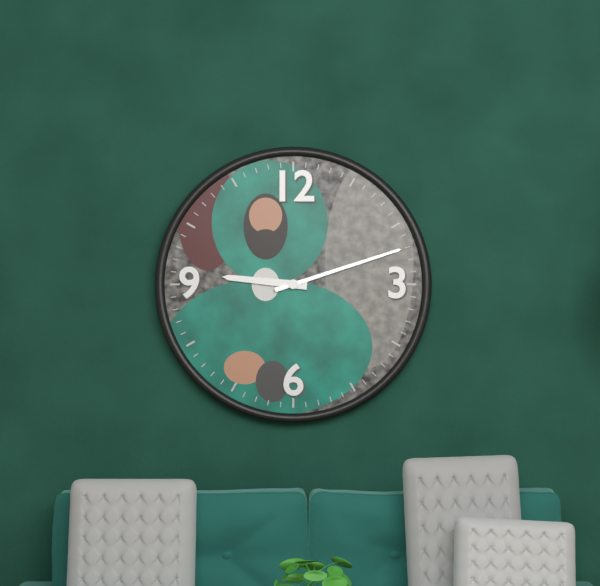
9:12
